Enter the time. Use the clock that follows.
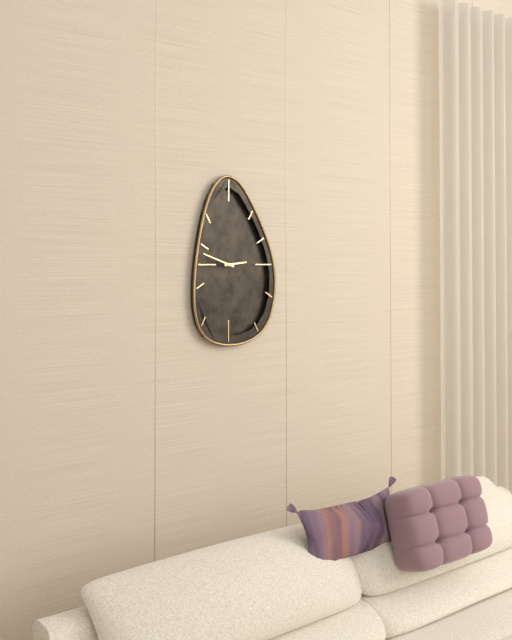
2:48
